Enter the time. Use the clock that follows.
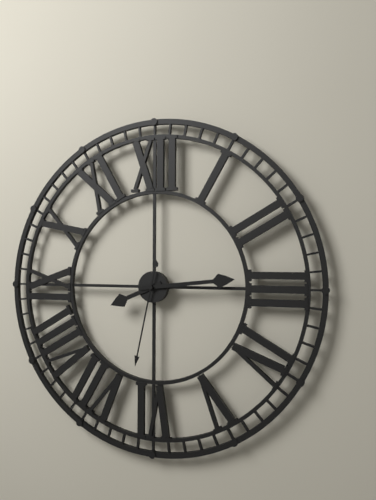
8:14:32
